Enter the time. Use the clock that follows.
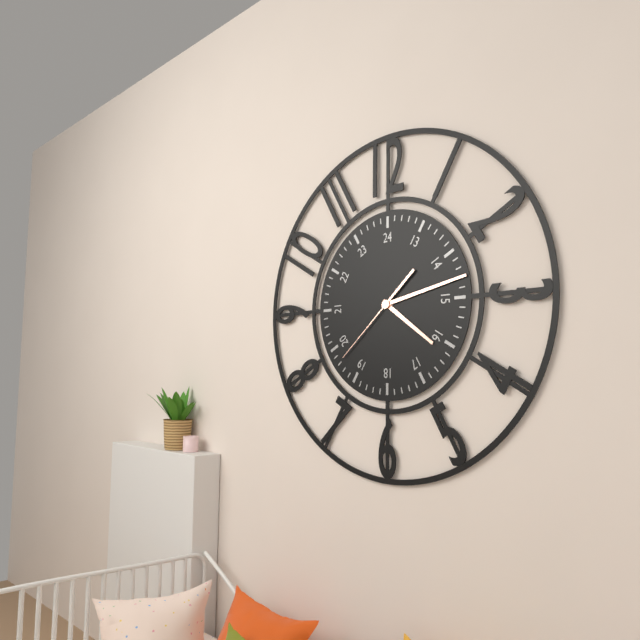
4:13:38
